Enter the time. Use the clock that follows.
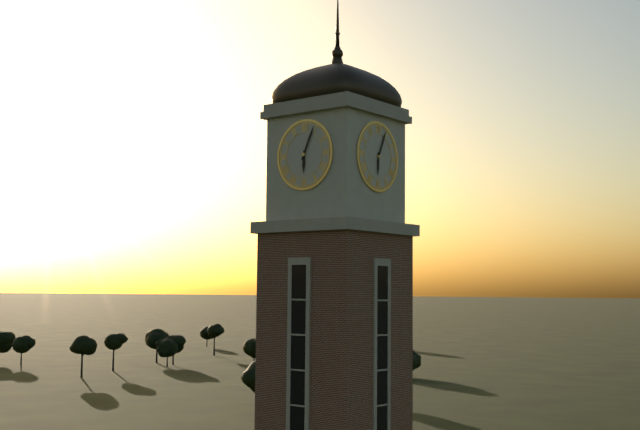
6:04
